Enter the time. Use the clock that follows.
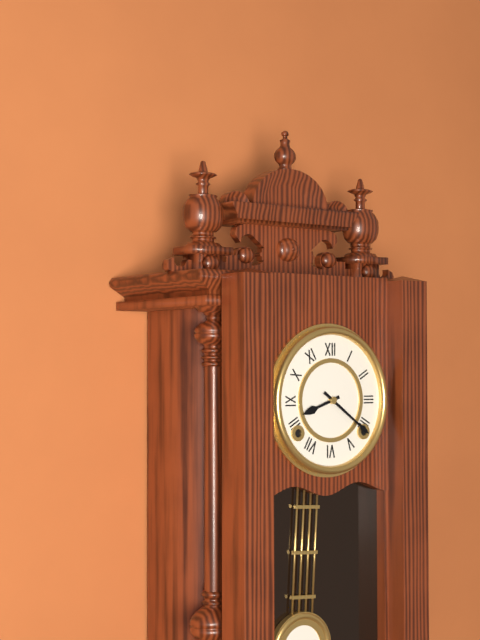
8:21
